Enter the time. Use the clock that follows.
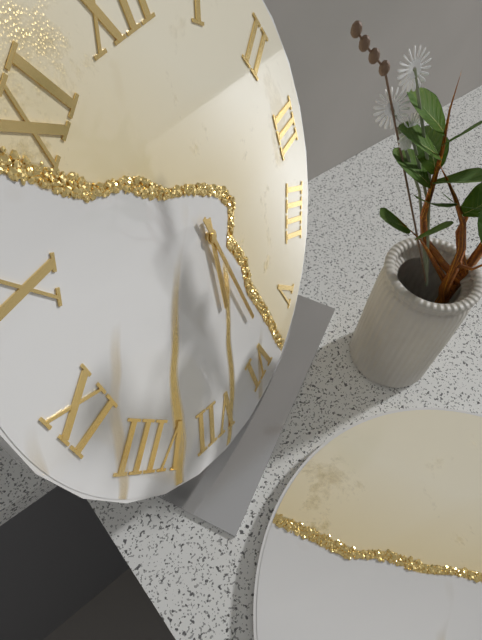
6:29
